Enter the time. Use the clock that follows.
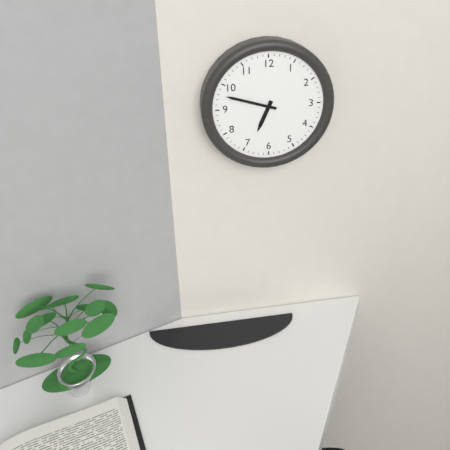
6:48
